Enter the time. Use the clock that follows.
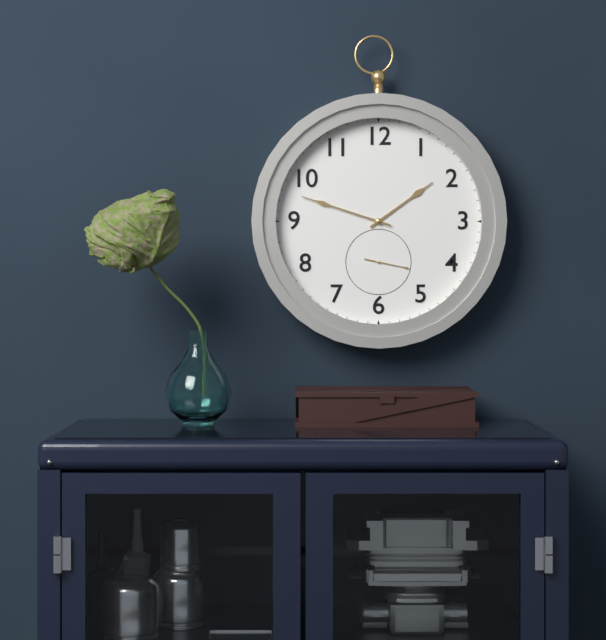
1:48
